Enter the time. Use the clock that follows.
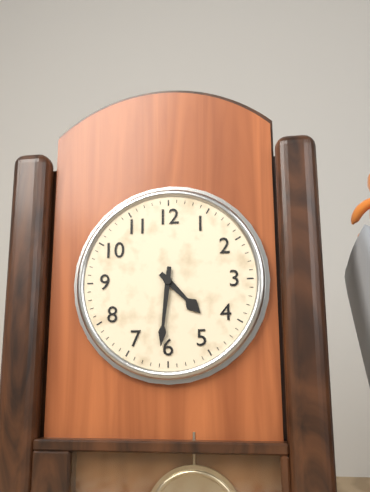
4:31
